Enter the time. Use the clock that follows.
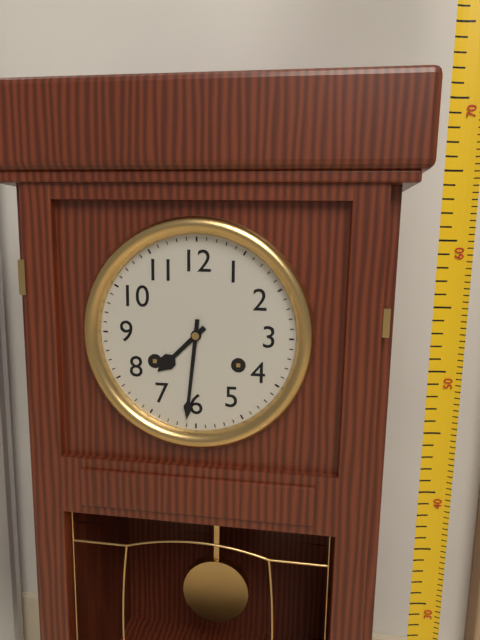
7:31
